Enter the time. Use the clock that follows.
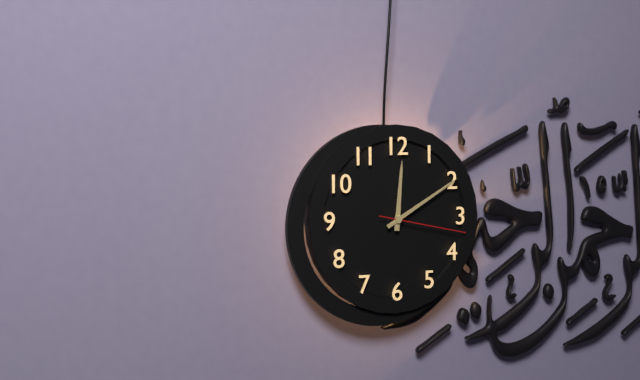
12:10:17
